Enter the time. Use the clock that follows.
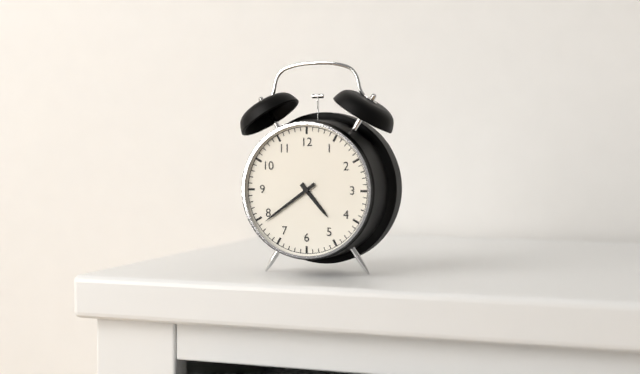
4:39
